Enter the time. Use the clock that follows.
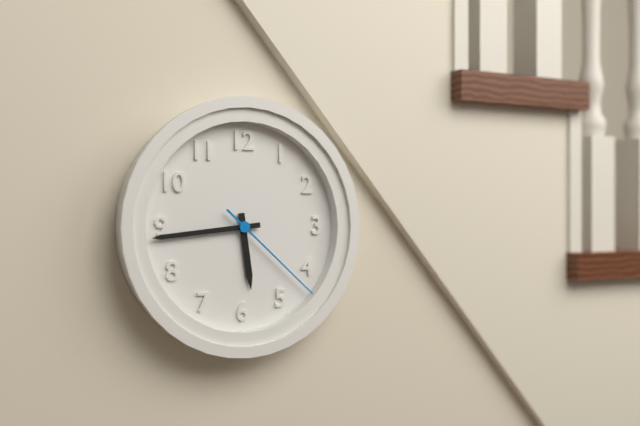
5:44:22
